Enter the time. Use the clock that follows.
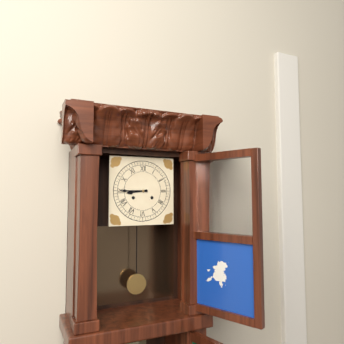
8:45
